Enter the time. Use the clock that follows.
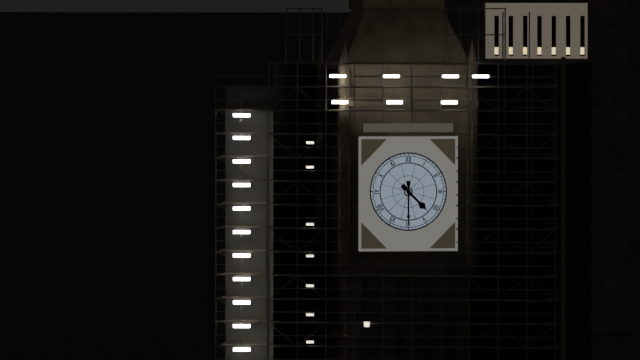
4:30
